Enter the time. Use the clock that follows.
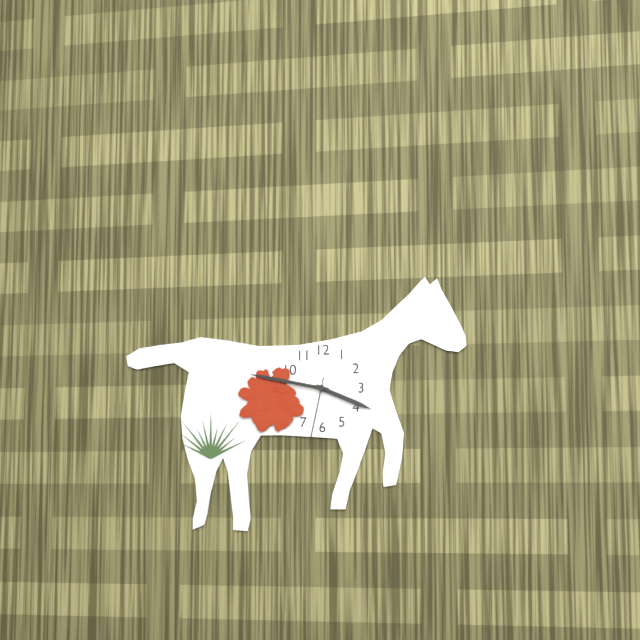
3:47:32
